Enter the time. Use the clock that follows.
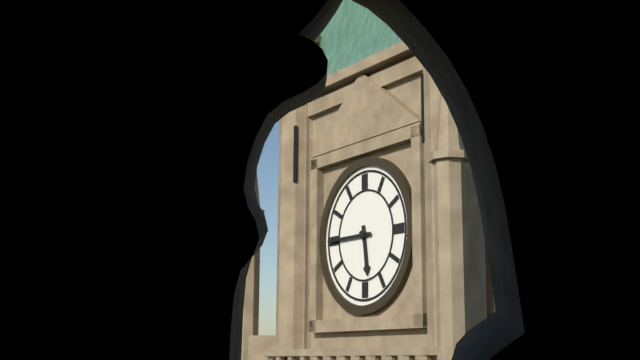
5:45
